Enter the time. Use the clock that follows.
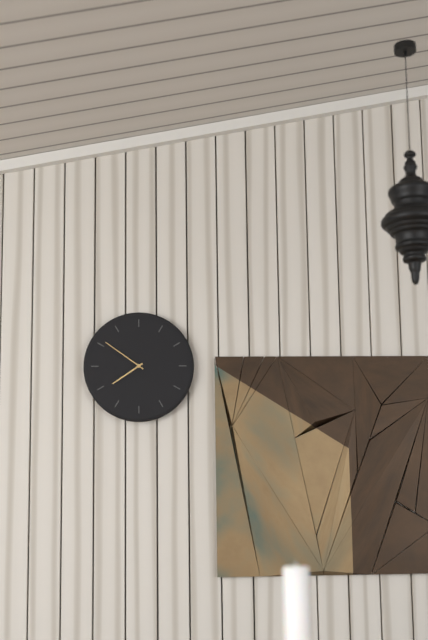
7:51
